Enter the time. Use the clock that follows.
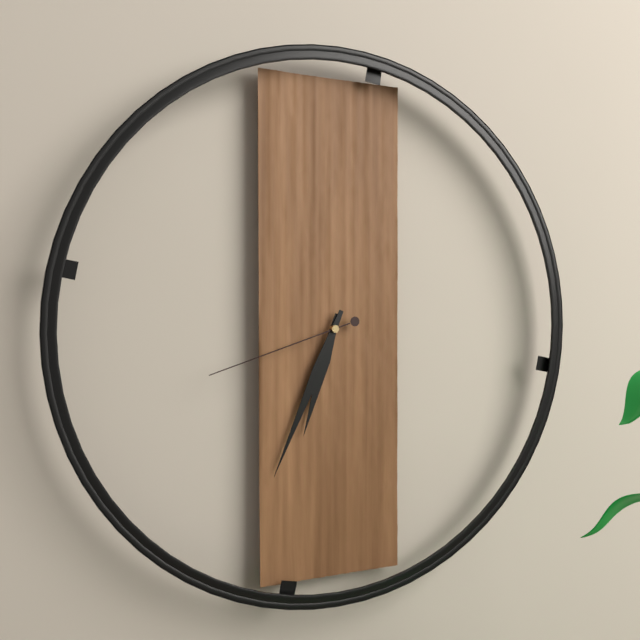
6:34:42
